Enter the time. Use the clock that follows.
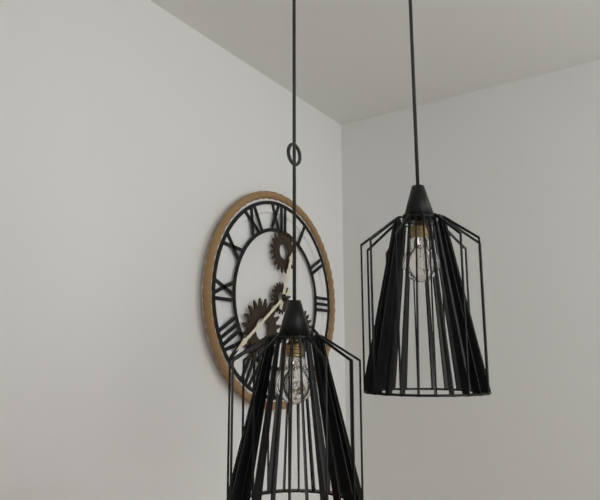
12:39
